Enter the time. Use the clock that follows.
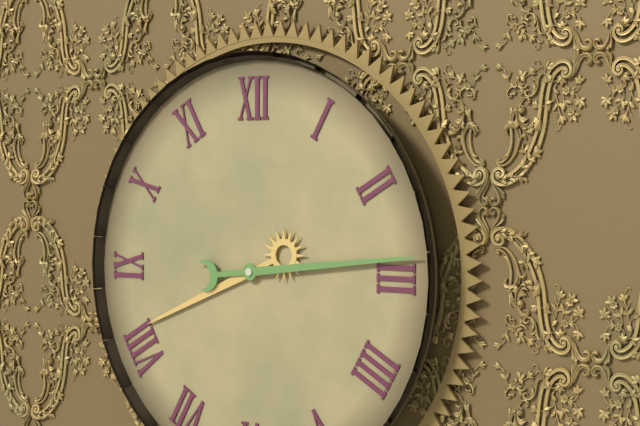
8:14
